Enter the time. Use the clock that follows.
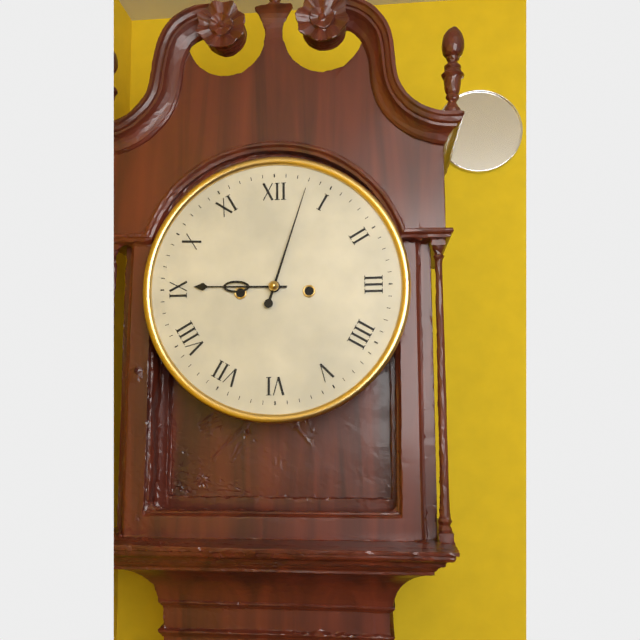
9:03
